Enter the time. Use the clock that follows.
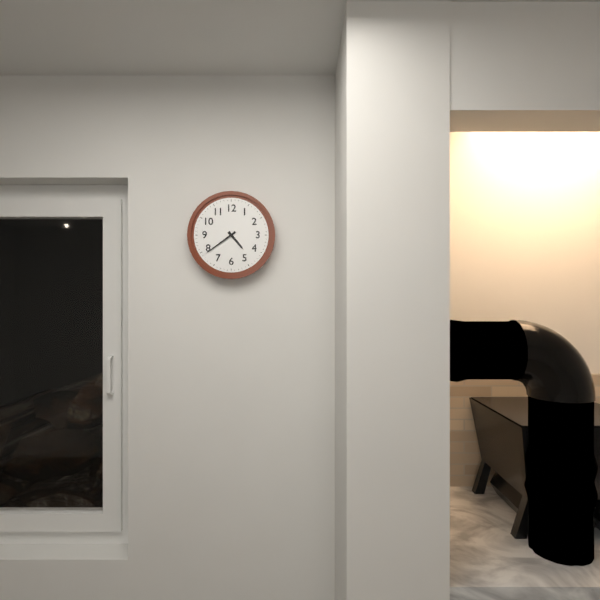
4:39
